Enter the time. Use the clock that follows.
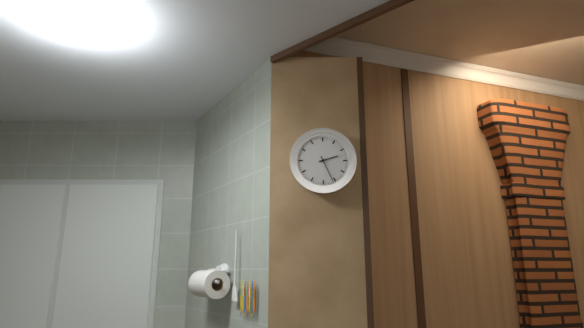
2:26
